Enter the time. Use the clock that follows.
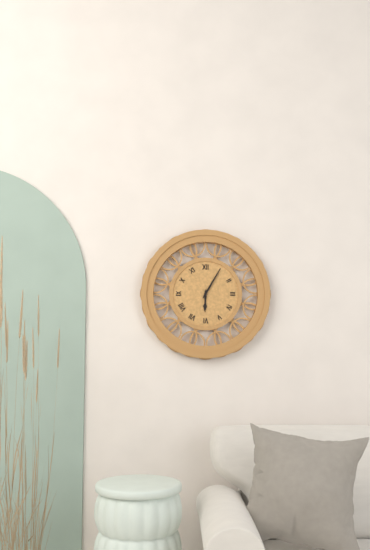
6:05
